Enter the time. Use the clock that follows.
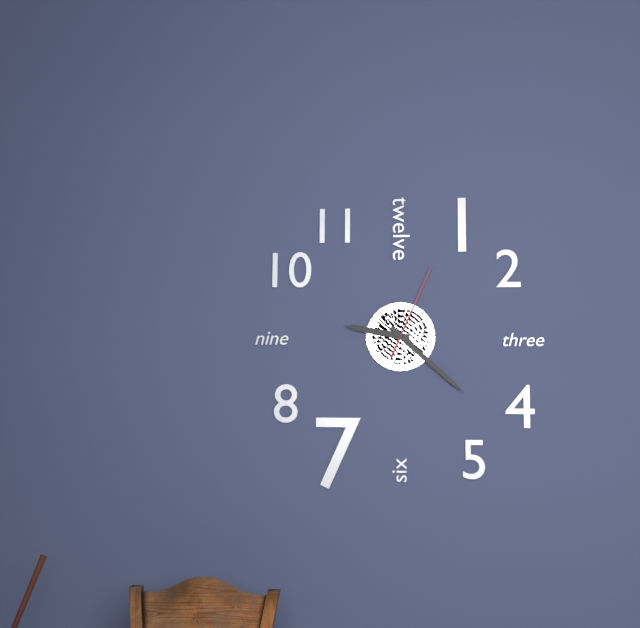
9:22:04
